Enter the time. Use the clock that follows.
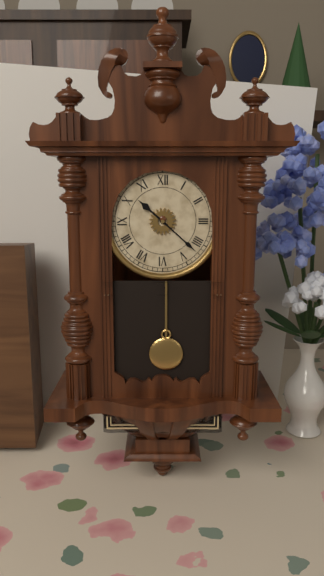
10:22
